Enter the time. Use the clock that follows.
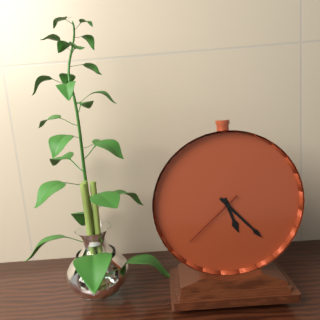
5:23:38
